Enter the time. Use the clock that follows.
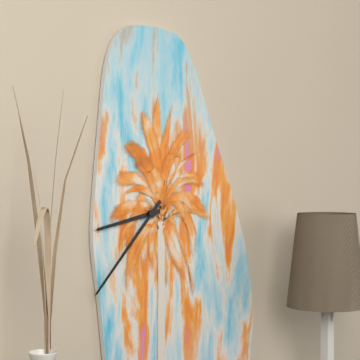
8:37
